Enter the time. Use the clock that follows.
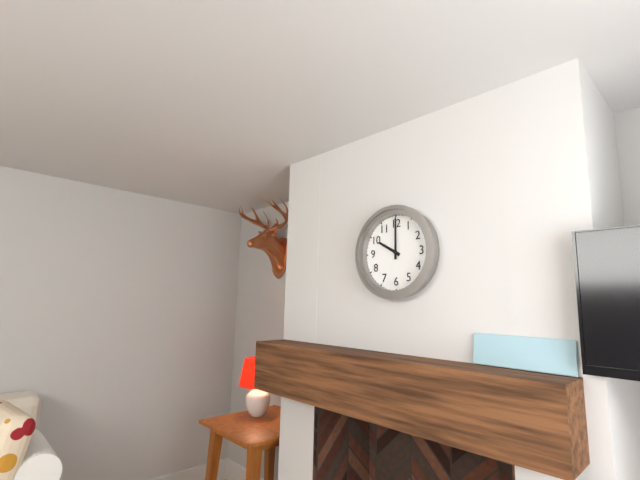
10:00
